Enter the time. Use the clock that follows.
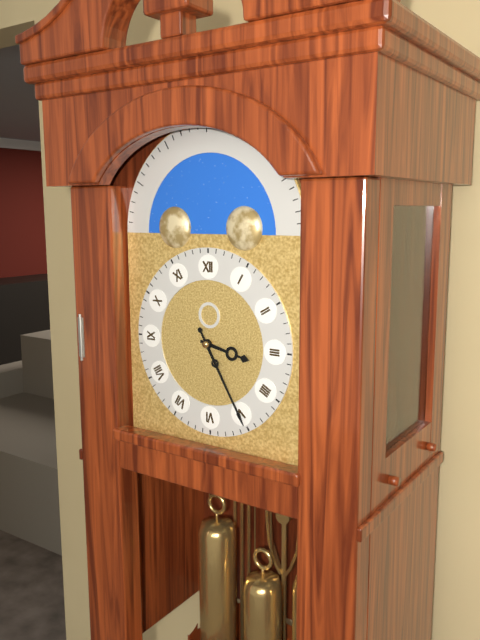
3:25
